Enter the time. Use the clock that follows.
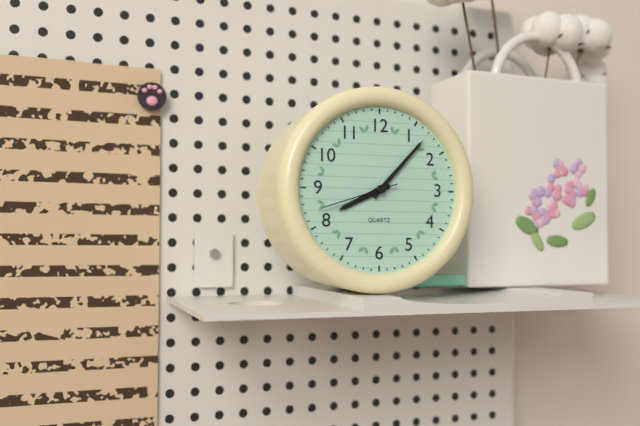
8:07:42
